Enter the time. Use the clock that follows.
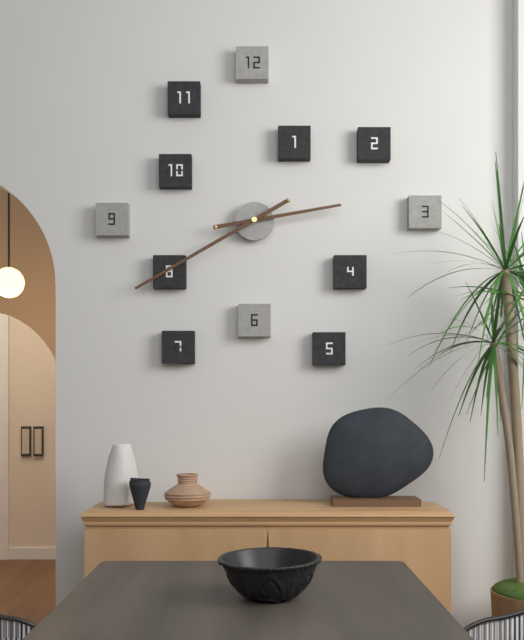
2:40
